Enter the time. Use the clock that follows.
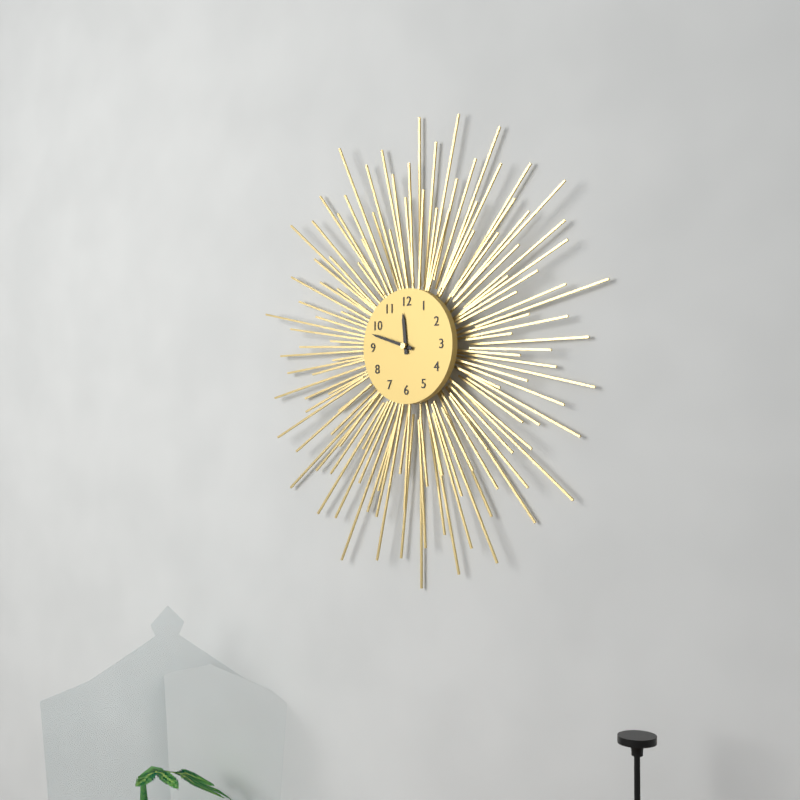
11:48
